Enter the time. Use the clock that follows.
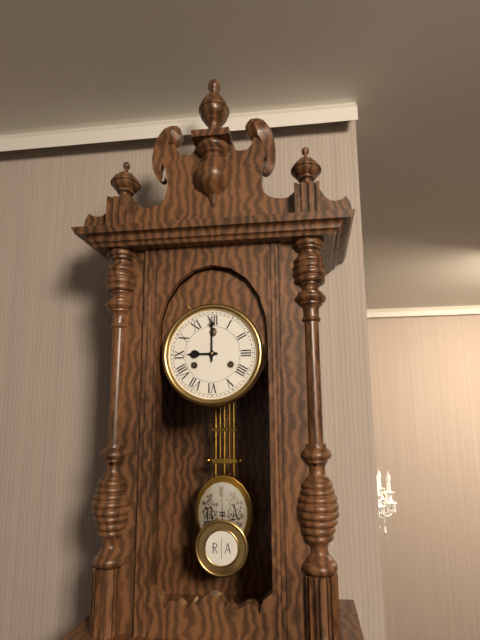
9:00
